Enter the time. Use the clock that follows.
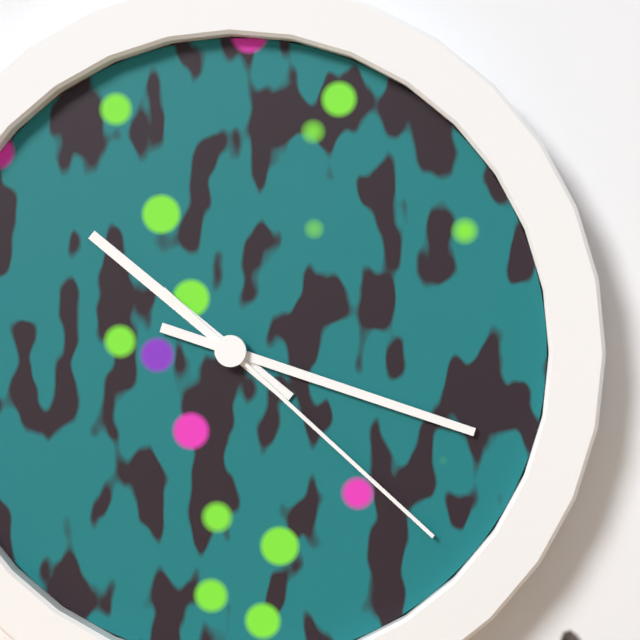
10:18:22
